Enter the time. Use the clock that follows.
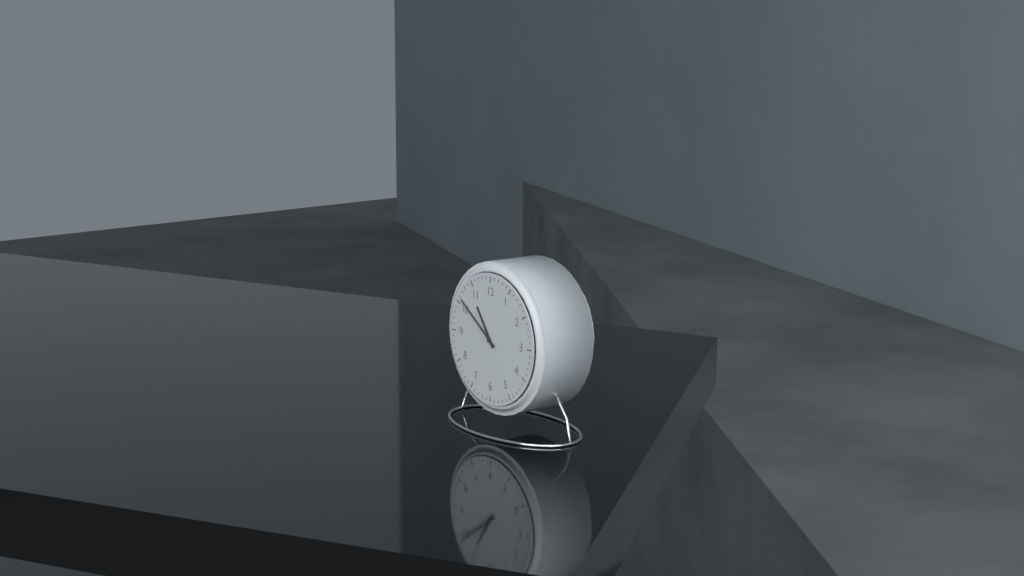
10:51
